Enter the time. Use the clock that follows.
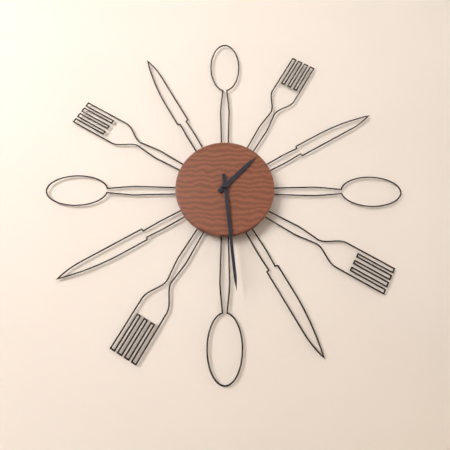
1:29
